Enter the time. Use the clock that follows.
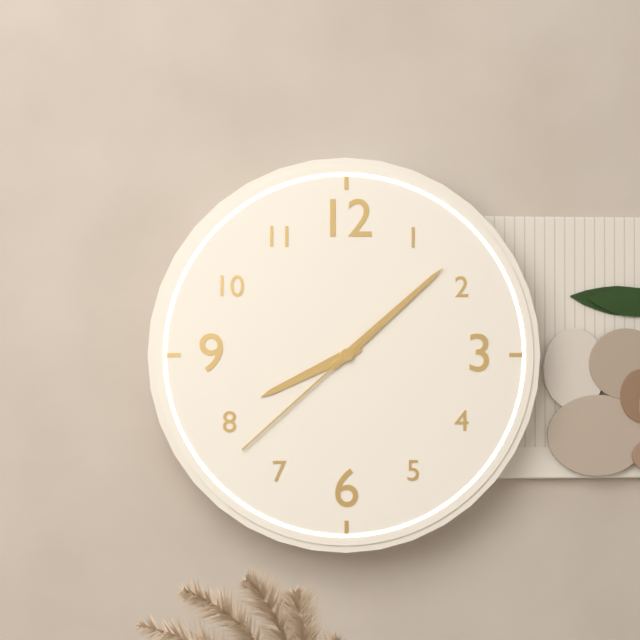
8:08:38
